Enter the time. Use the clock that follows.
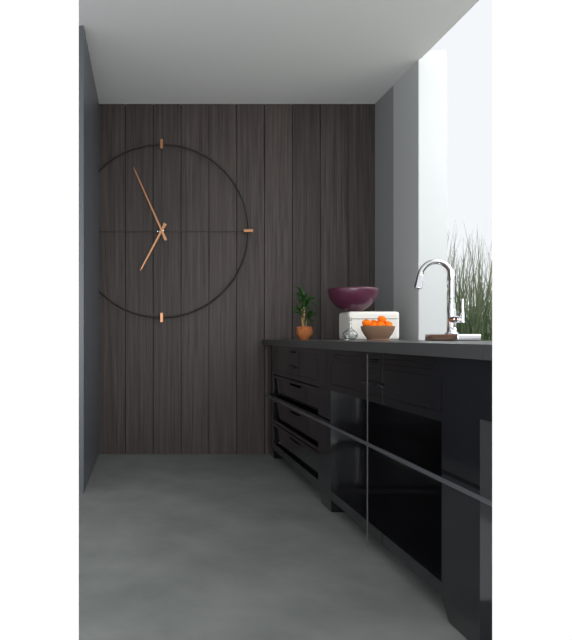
6:56
